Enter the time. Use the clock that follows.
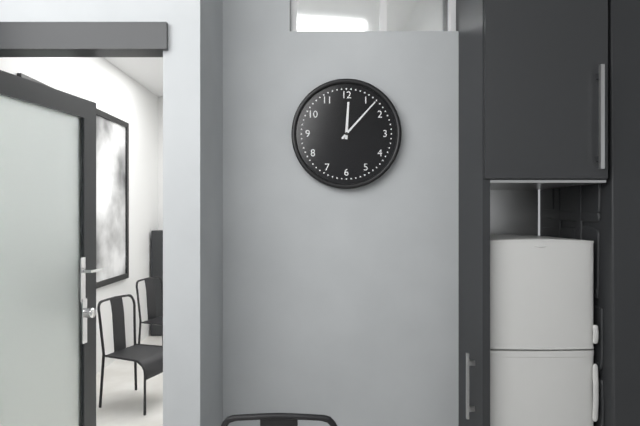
12:07
